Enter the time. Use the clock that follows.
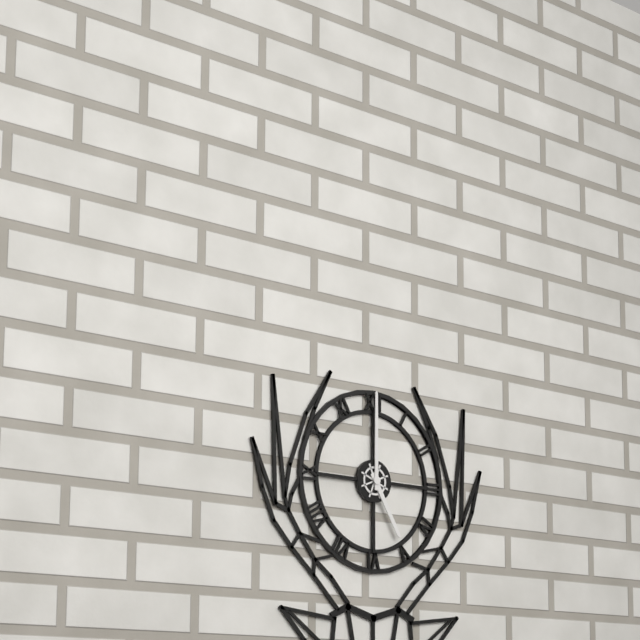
5:00
